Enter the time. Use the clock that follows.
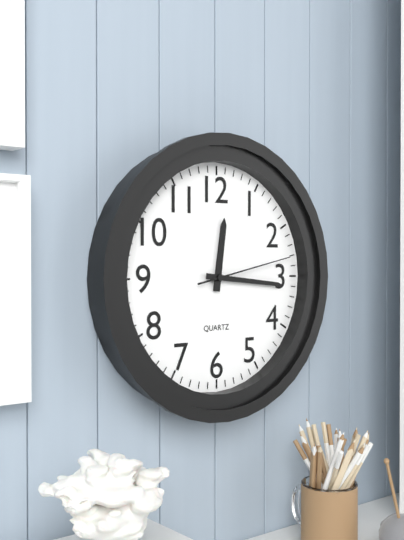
12:16:13
